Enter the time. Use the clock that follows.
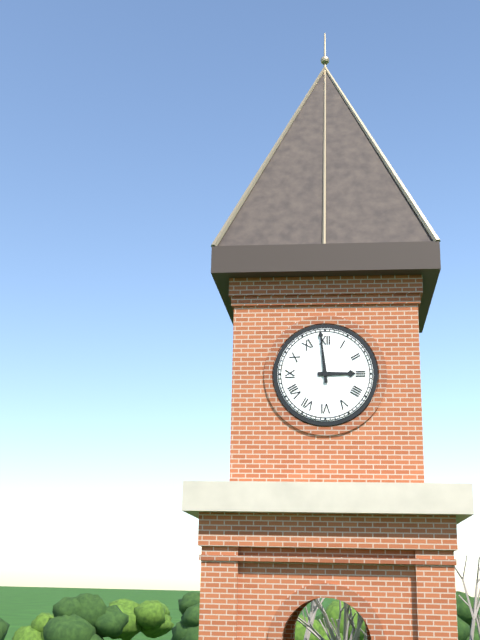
2:59
